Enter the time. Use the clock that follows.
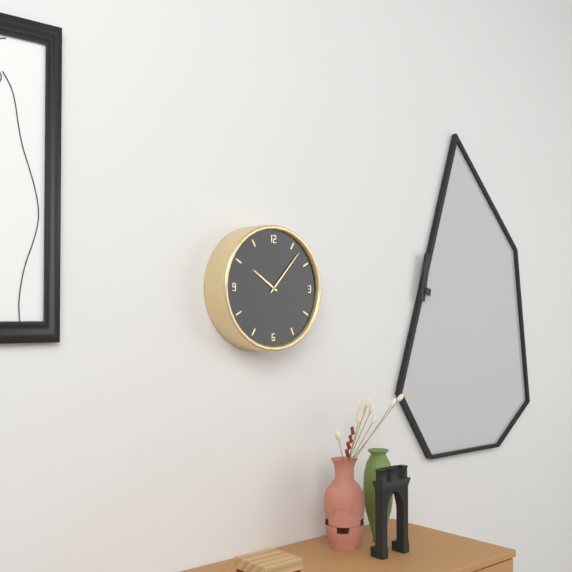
10:07
